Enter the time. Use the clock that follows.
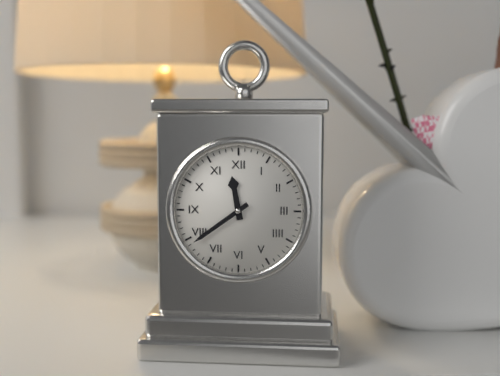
11:39
